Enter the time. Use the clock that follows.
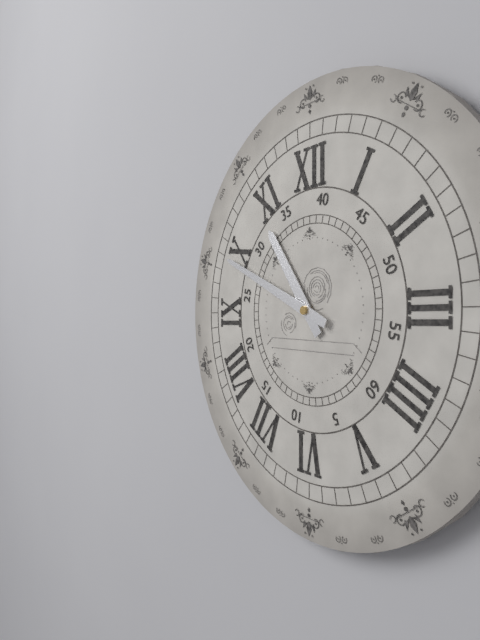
10:49
